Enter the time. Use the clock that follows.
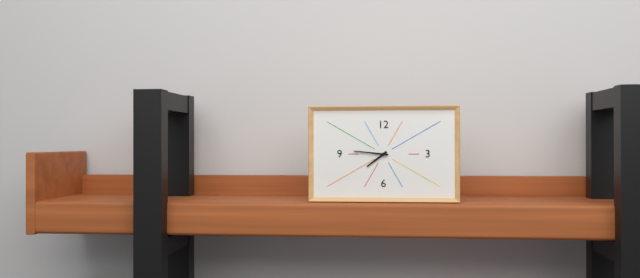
7:46
